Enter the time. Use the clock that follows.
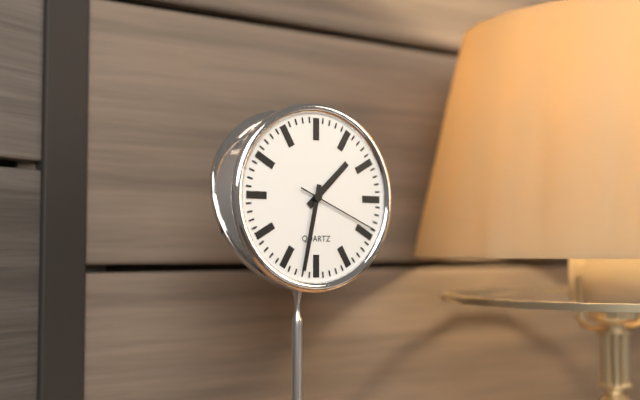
1:32:19
